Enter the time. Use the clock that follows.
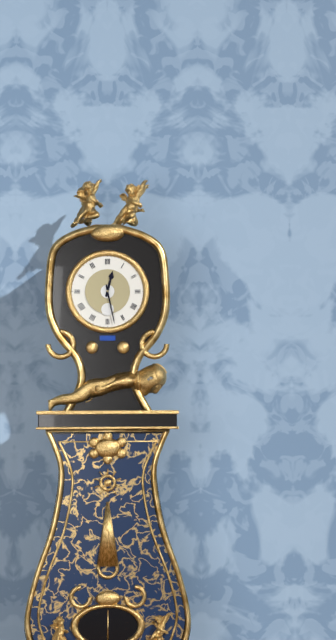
12:28
